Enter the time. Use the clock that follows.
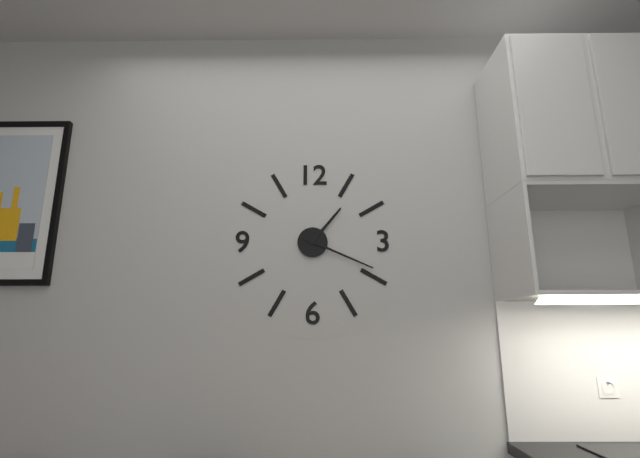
1:19
